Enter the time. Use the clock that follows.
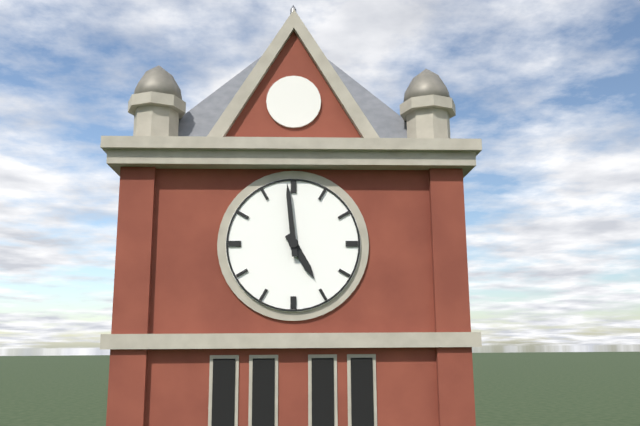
4:59
